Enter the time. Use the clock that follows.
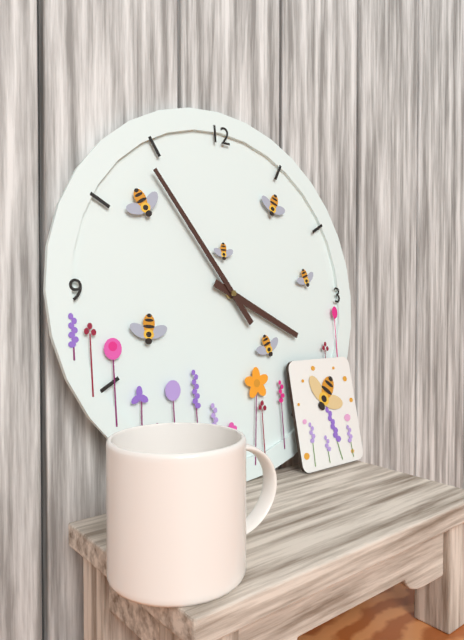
3:54
